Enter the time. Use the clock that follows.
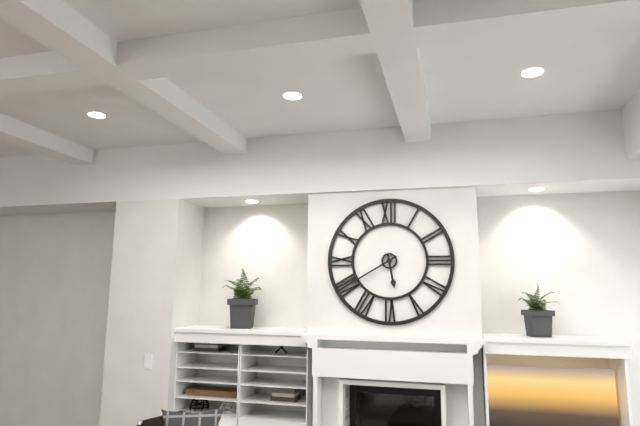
5:40
